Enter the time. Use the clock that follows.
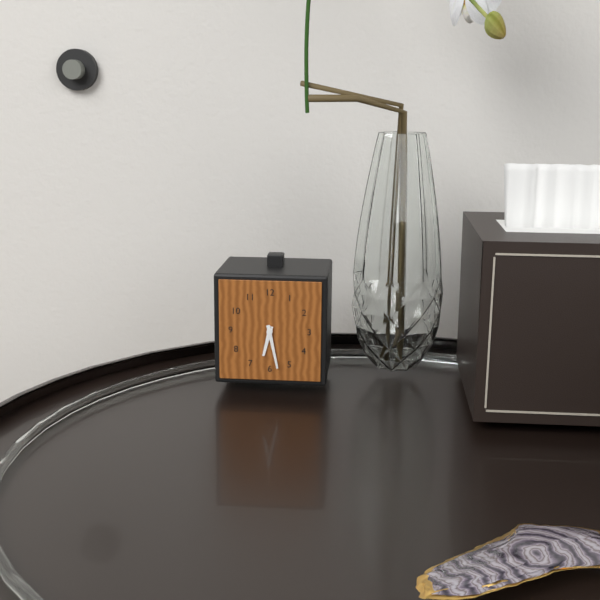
6:28
